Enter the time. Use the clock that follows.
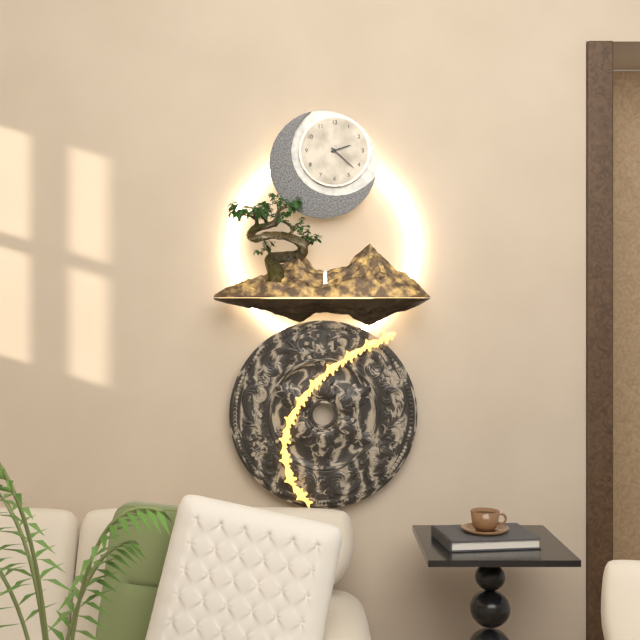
2:22
